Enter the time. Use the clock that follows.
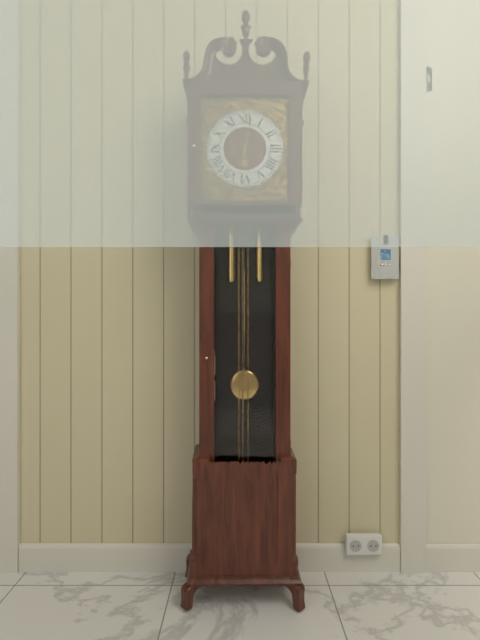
6:02
